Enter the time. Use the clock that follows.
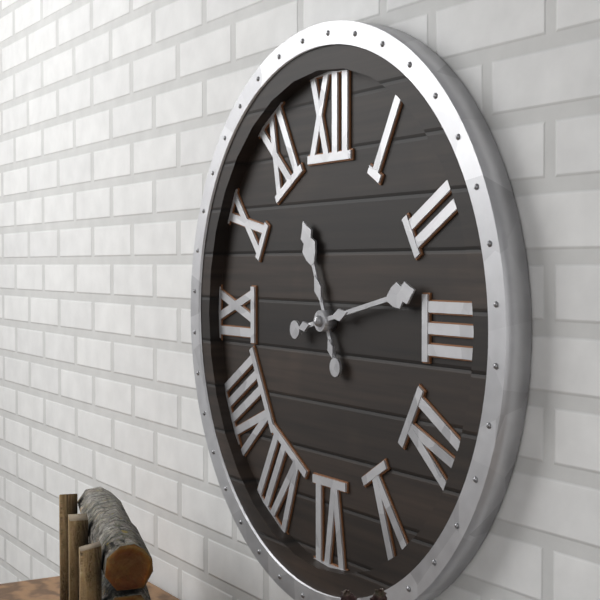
11:13
